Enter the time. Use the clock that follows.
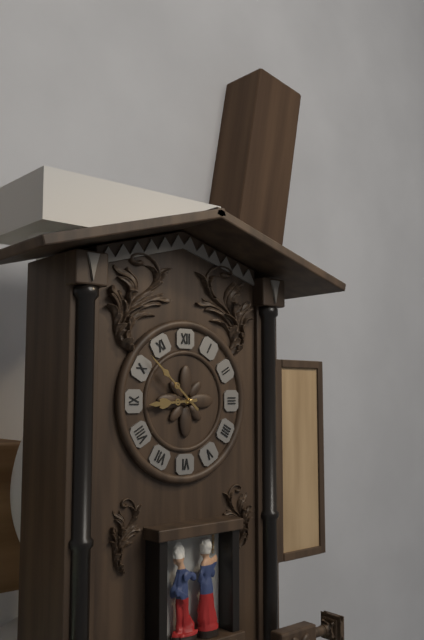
8:52
